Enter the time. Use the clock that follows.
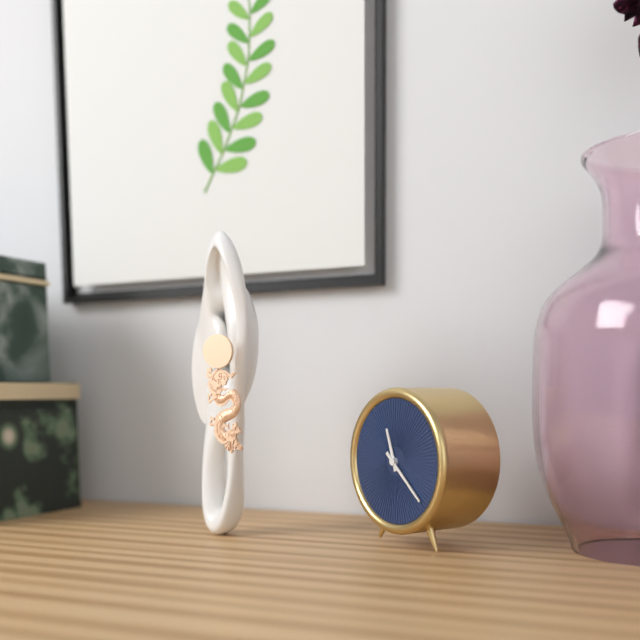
11:22
